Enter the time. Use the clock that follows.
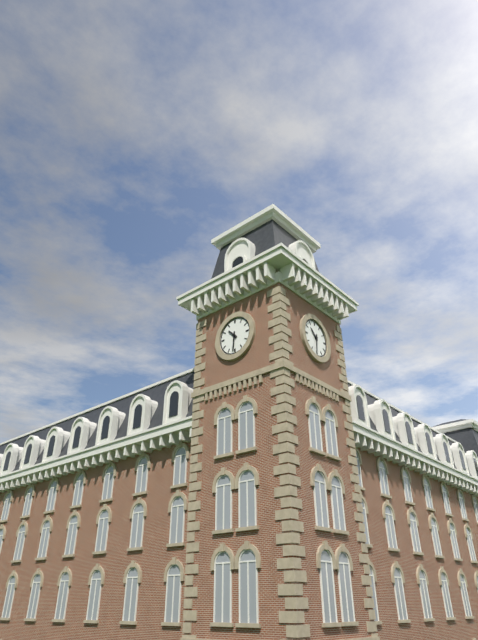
10:31
